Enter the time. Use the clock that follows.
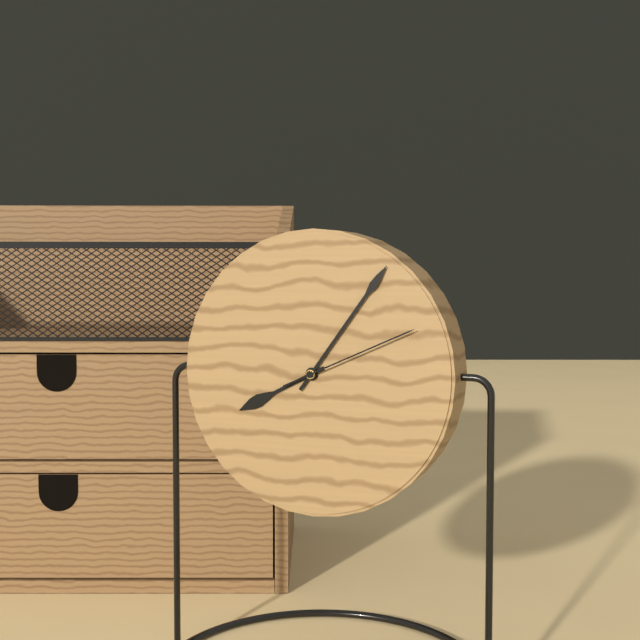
8:06:11
